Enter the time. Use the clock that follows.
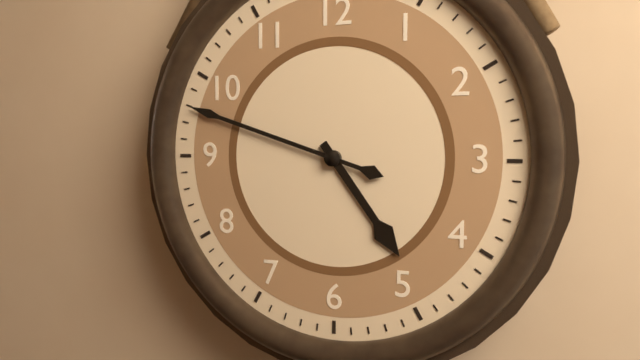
4:48
